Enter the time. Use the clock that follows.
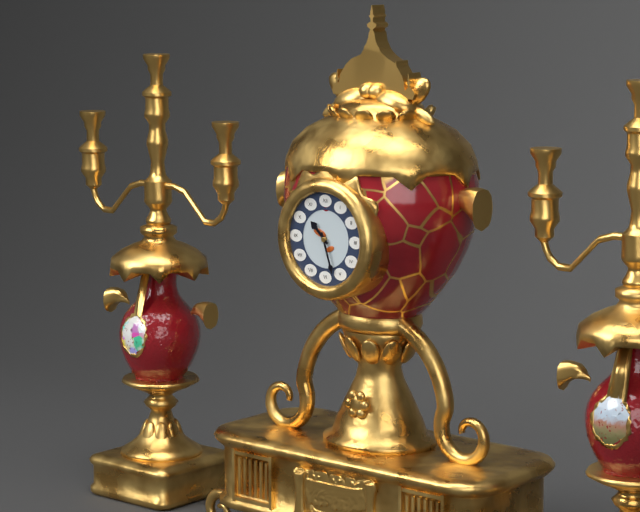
10:27
